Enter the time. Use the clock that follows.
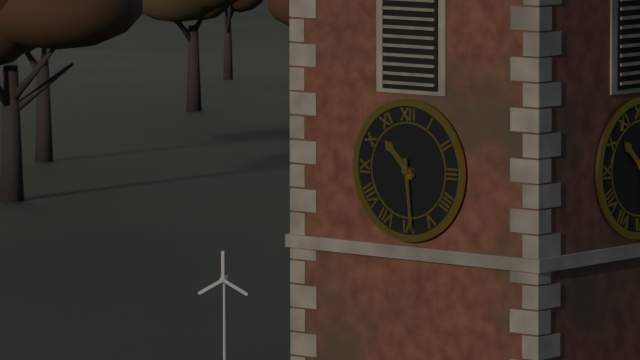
10:29
